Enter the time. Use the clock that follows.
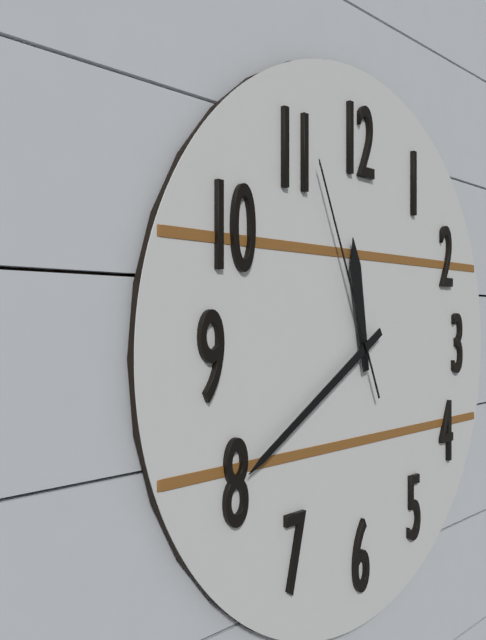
11:40:56
